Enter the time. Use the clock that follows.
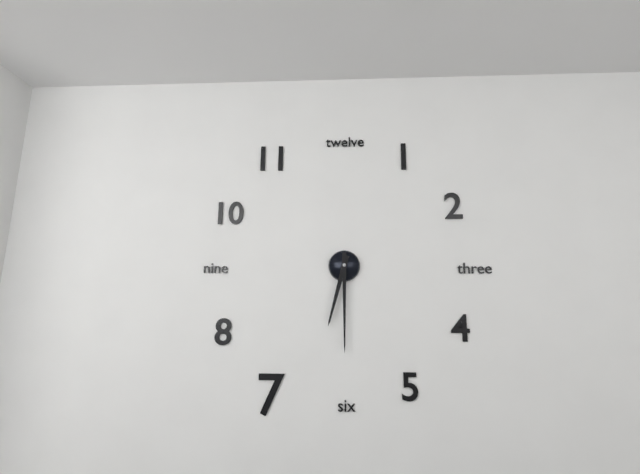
6:30
